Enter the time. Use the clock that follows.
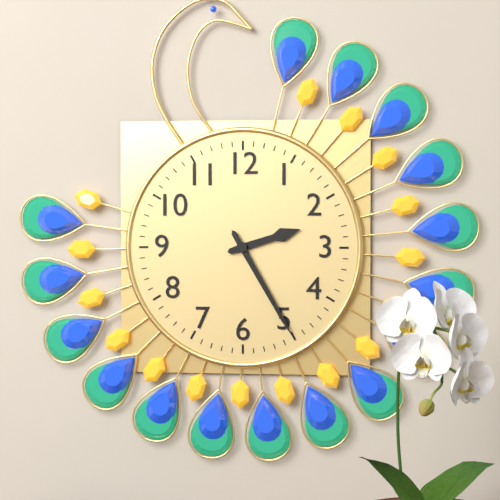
2:25
